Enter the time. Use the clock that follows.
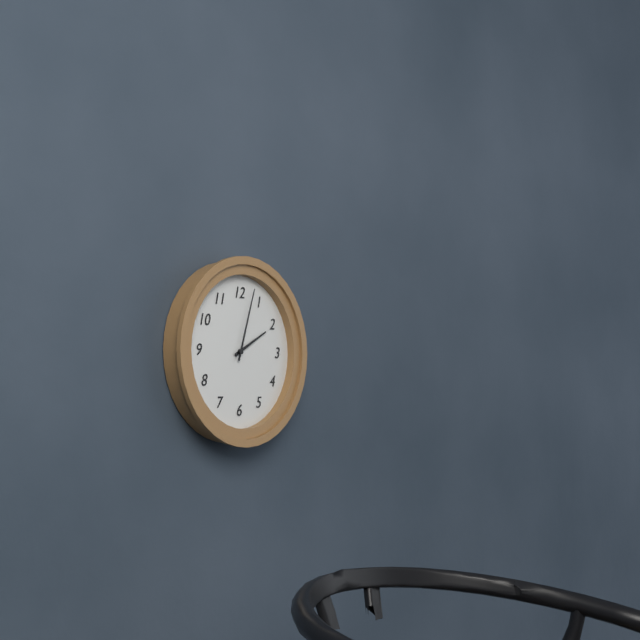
2:03
